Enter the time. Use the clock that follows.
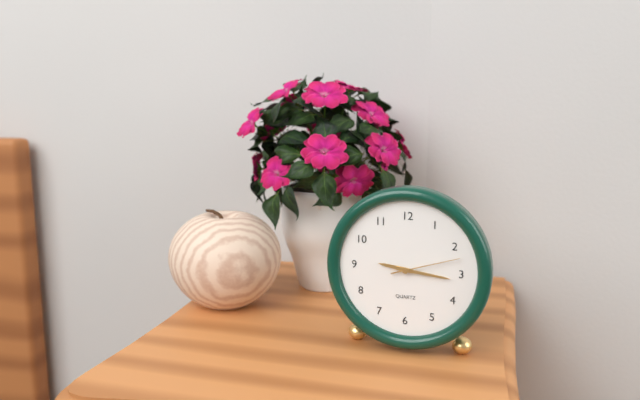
9:16:12
